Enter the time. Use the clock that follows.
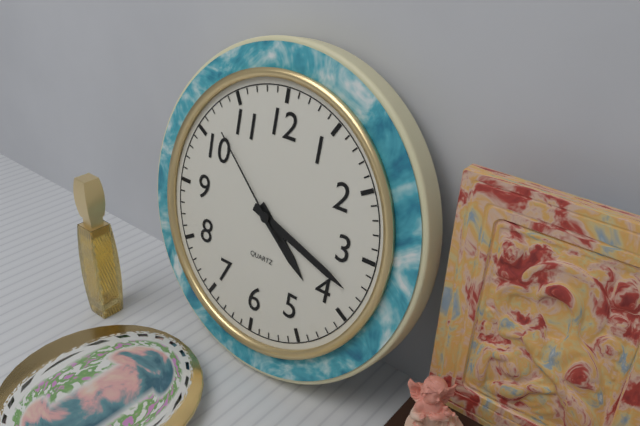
4:18:52
